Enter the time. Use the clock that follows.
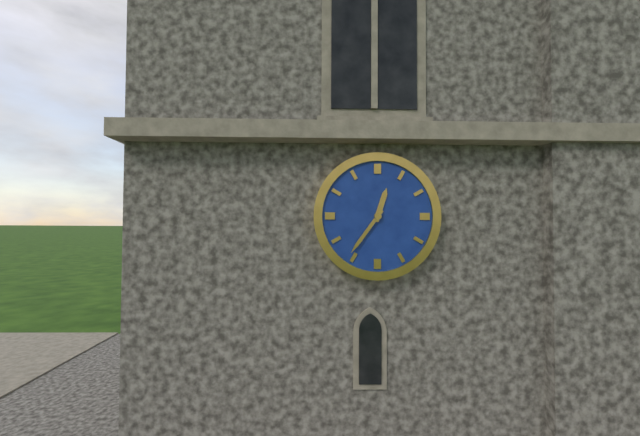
12:36
